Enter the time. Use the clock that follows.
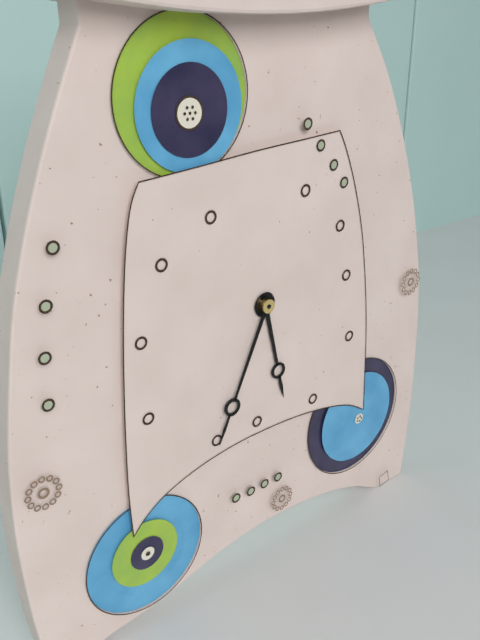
5:34
